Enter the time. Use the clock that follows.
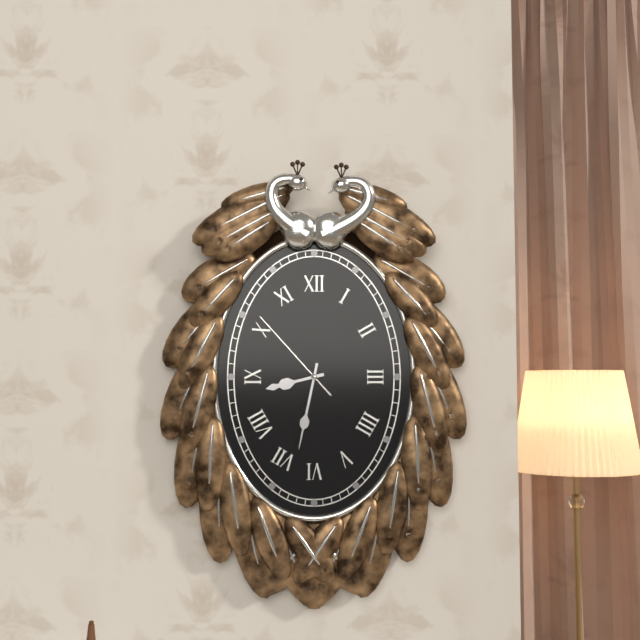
8:32:53
